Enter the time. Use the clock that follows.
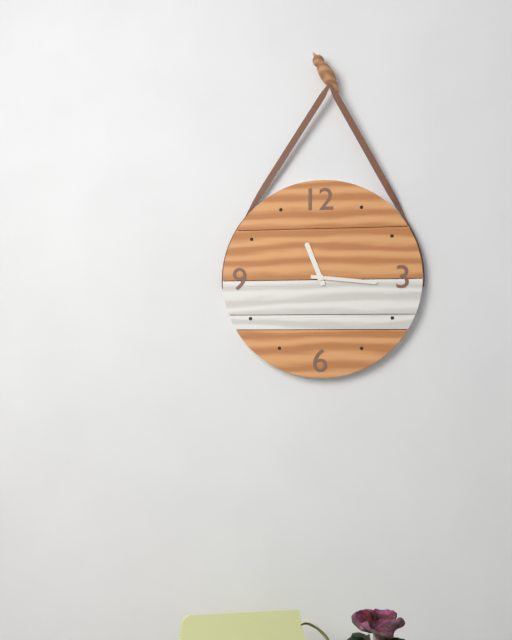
11:16
